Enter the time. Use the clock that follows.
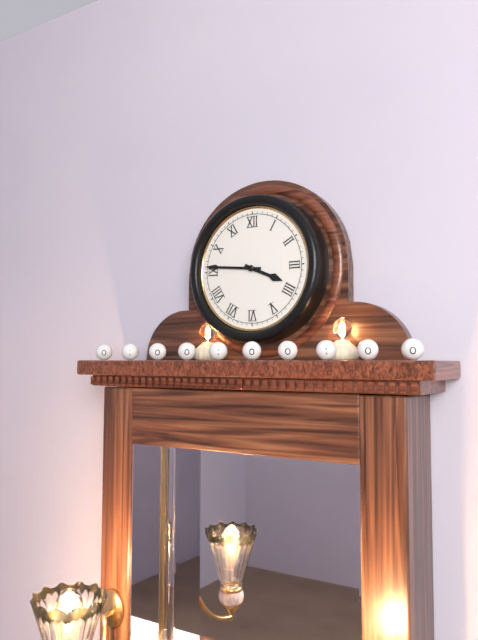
3:46
